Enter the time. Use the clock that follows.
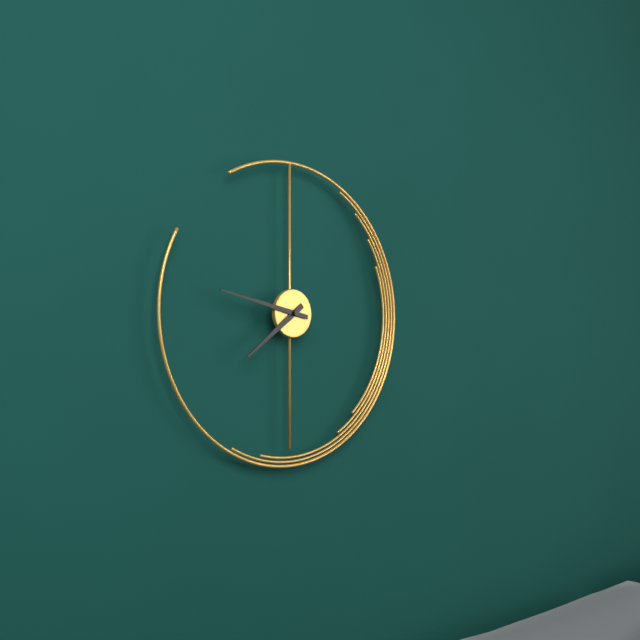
7:47
